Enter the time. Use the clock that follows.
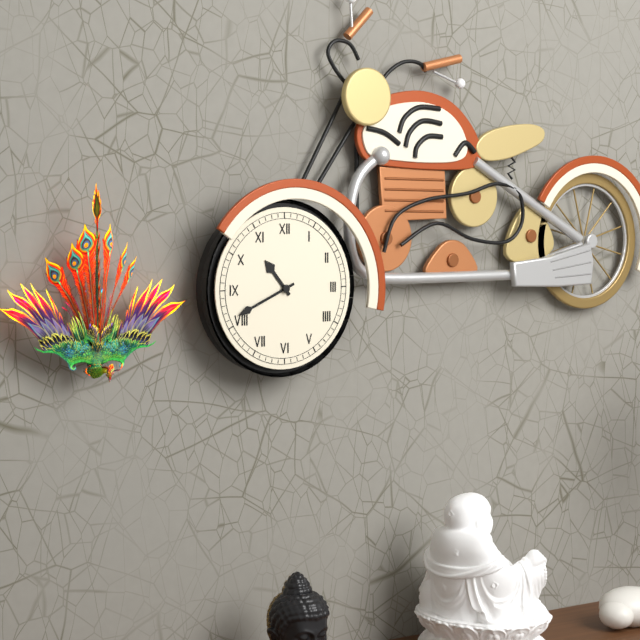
10:41
